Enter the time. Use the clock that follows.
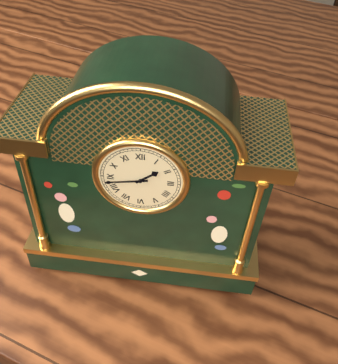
1:43
